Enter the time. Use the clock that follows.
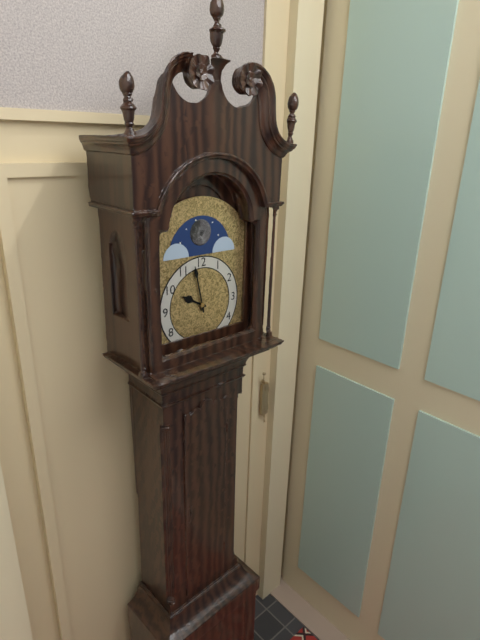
9:58
